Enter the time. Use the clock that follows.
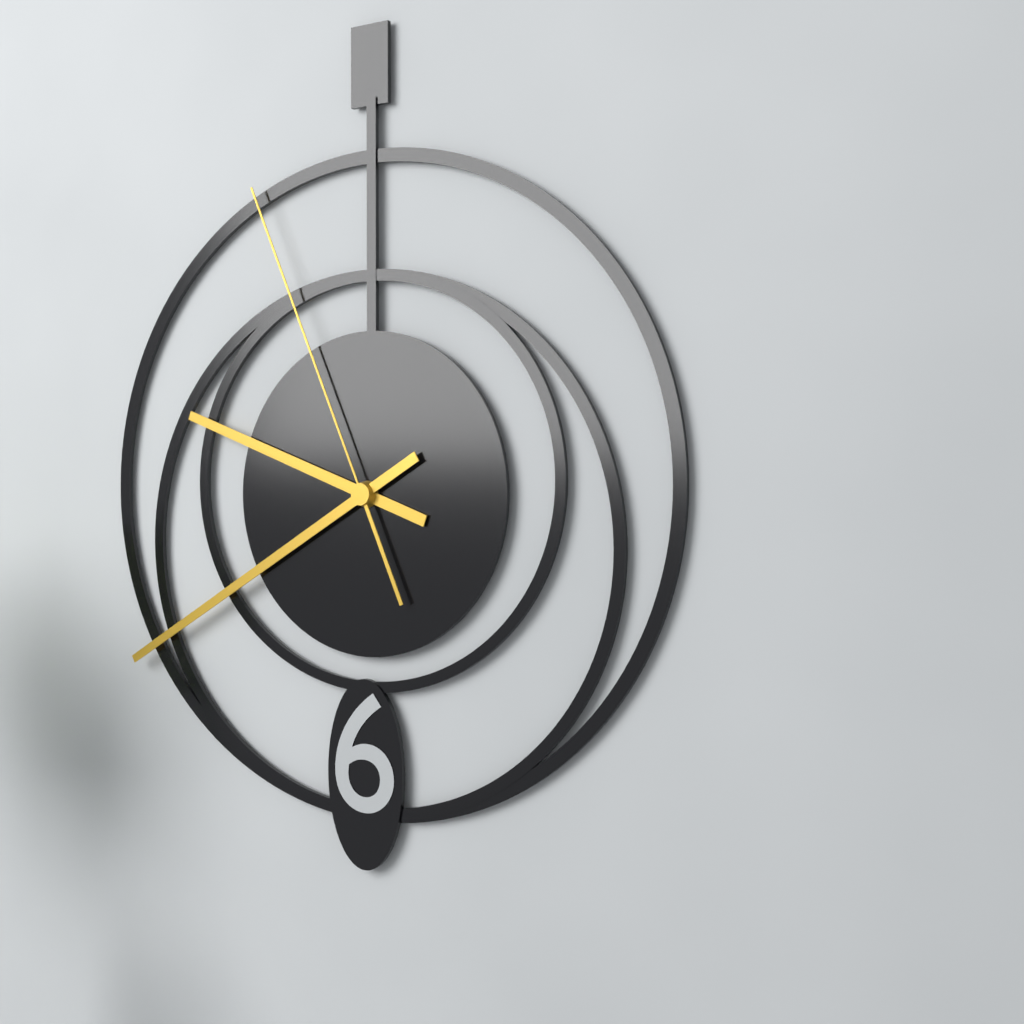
9:40:56
